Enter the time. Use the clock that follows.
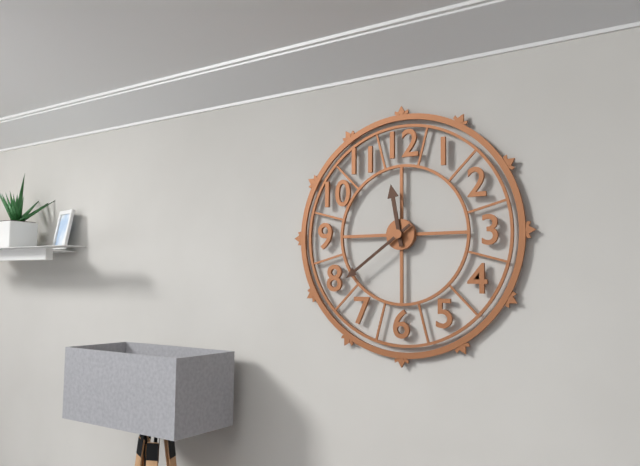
11:39
